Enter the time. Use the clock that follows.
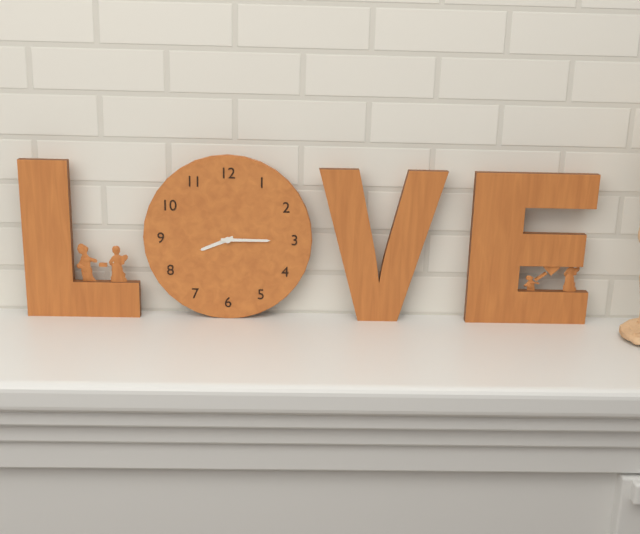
8:15
